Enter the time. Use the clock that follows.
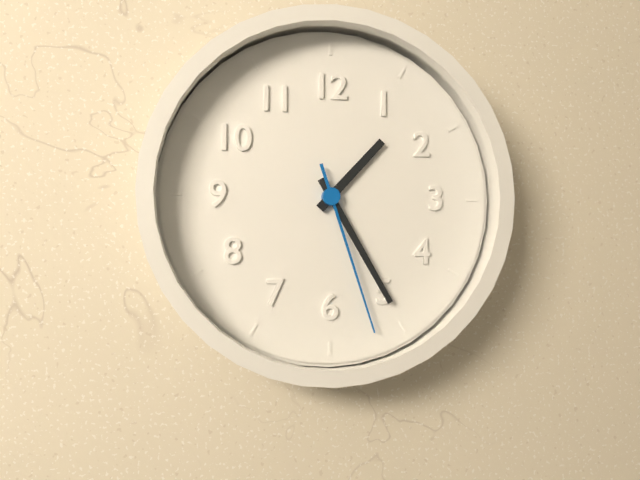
1:25:27
